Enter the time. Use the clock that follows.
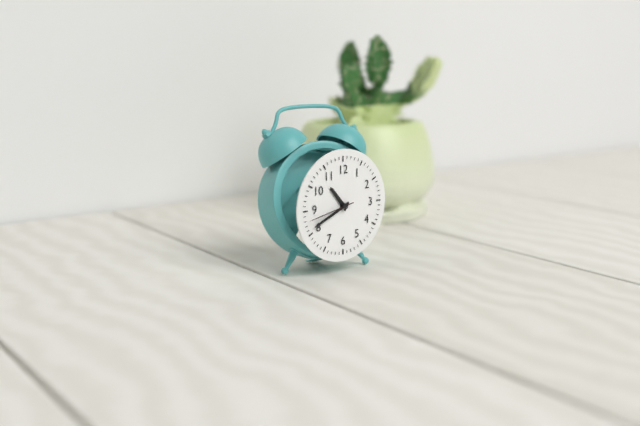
10:41
